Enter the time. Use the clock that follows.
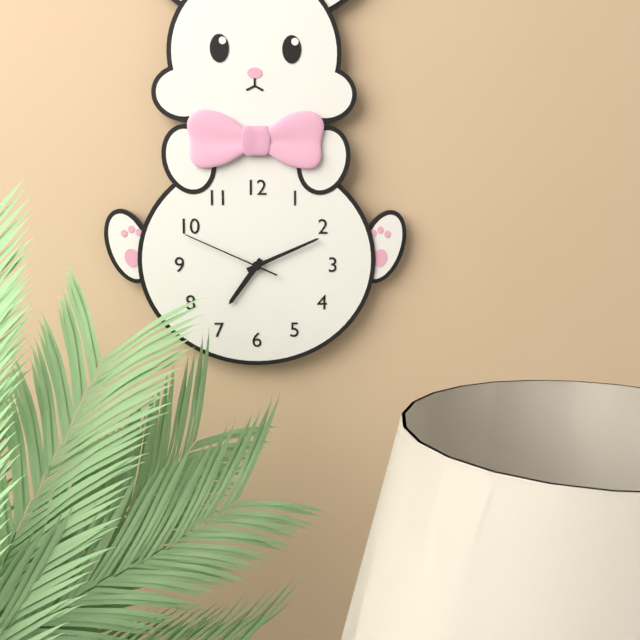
7:11:49
